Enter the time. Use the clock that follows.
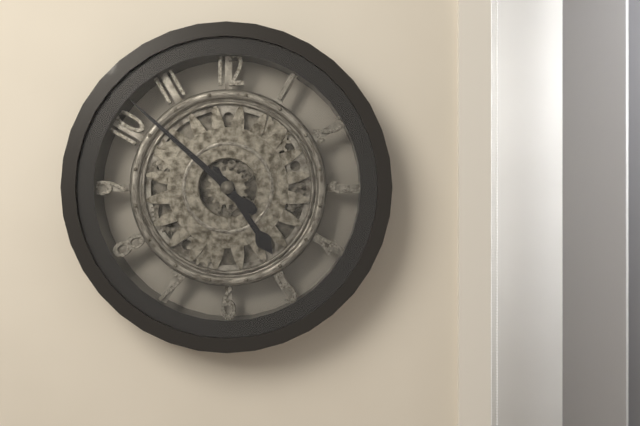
4:52
